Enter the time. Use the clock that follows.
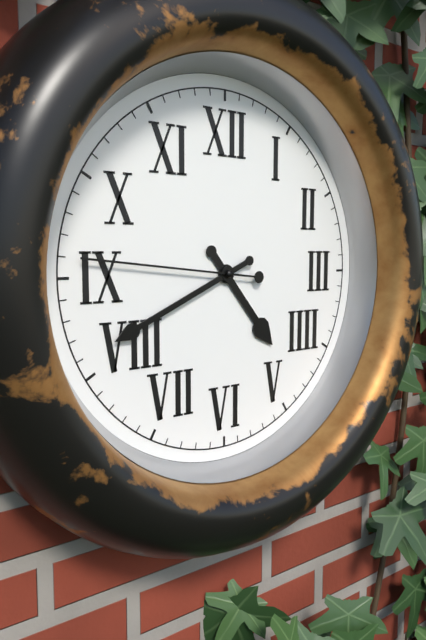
4:41:46
